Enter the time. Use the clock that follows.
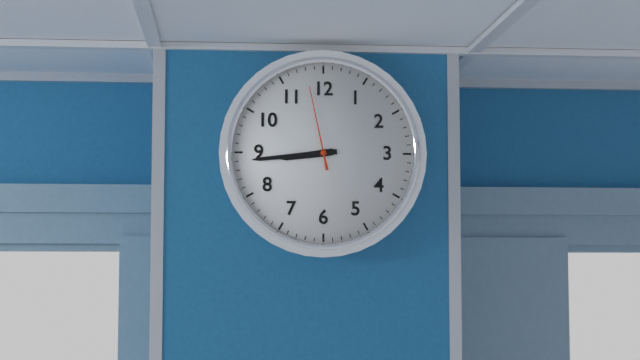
8:44:58
